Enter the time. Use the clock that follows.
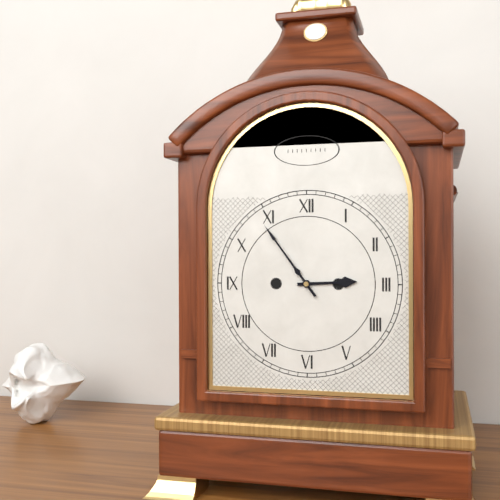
2:54
